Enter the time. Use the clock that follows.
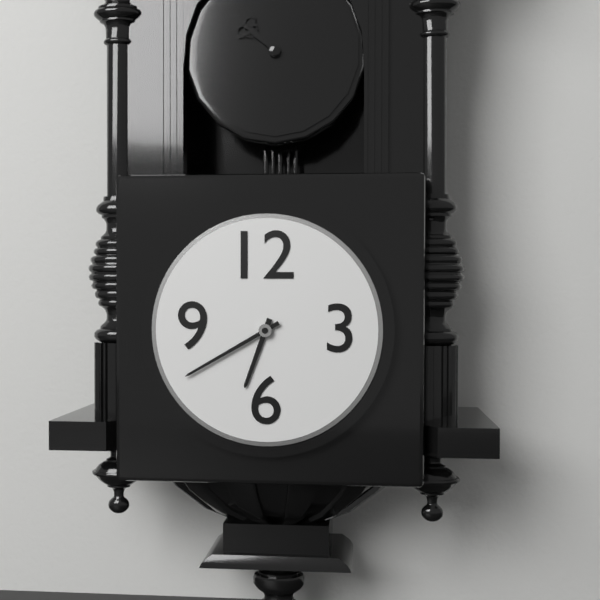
6:40
